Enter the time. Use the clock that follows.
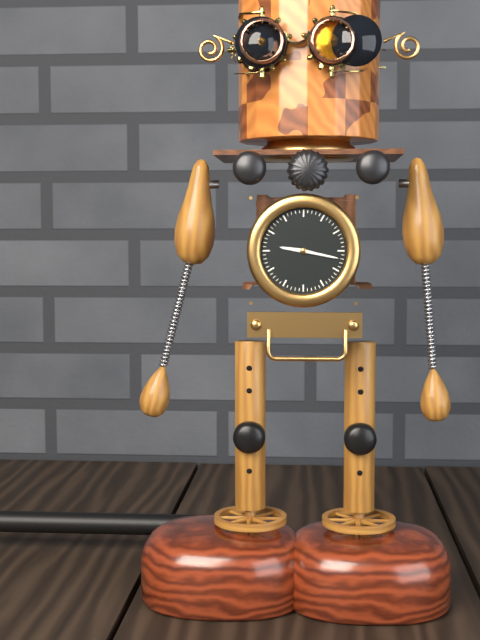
9:17
